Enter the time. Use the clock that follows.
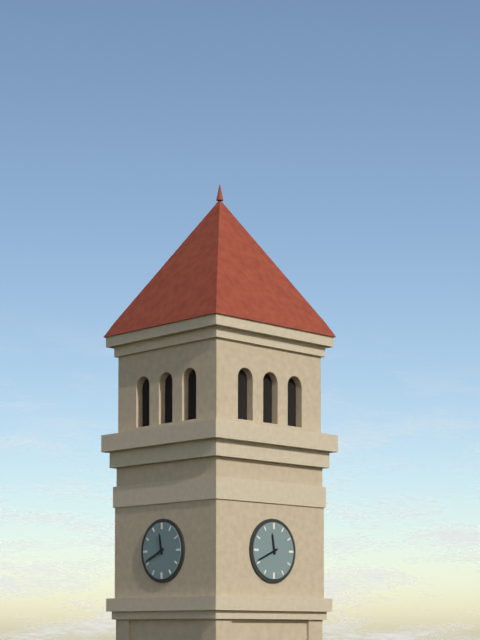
11:41
